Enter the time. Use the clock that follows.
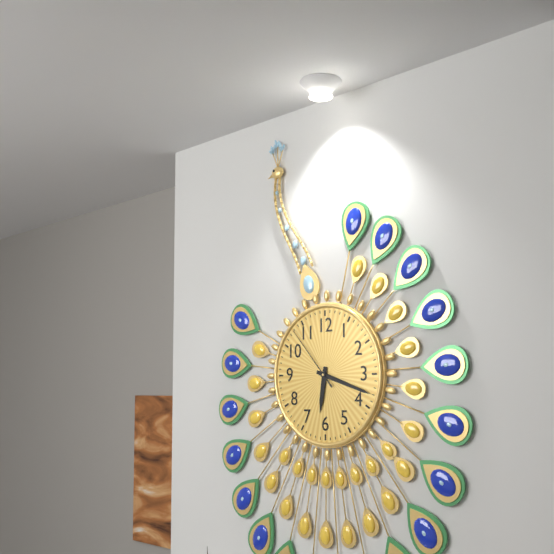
6:18:53
